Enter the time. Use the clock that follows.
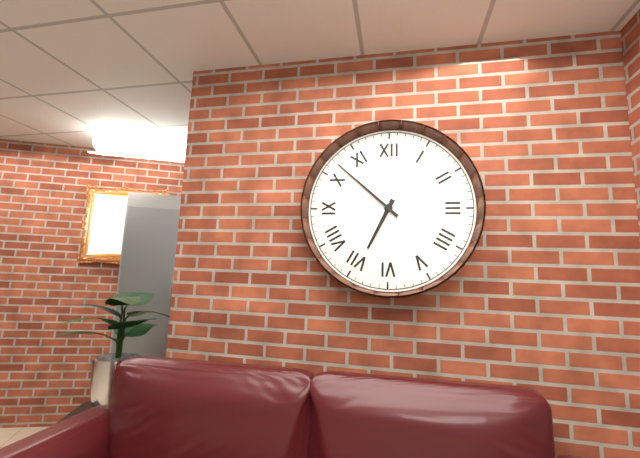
6:52
